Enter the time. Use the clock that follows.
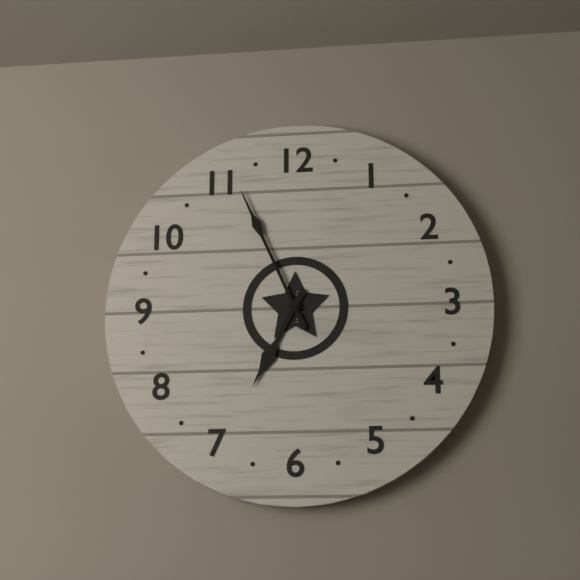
6:56
